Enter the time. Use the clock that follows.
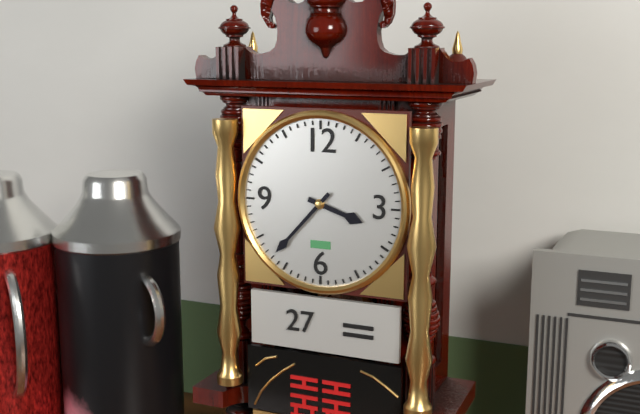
3:37
